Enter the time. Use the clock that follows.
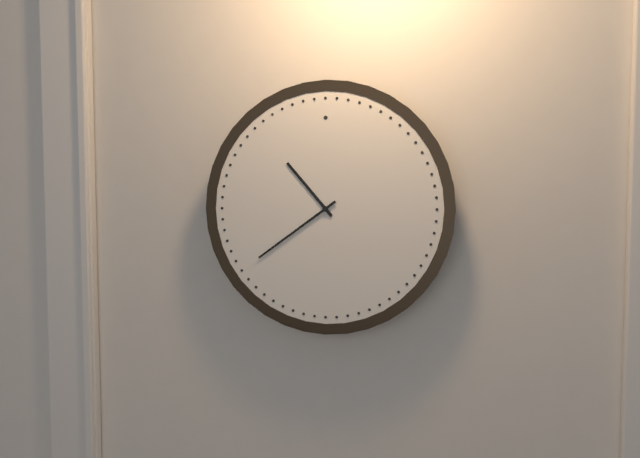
10:39
